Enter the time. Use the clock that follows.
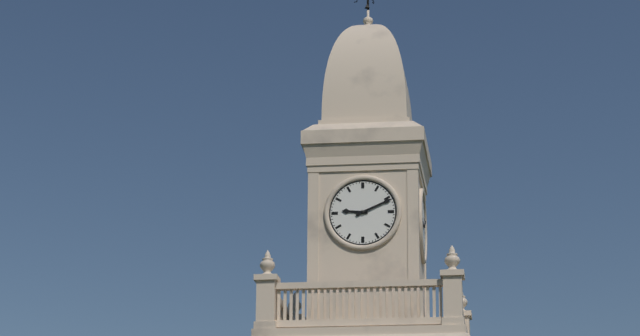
9:11
